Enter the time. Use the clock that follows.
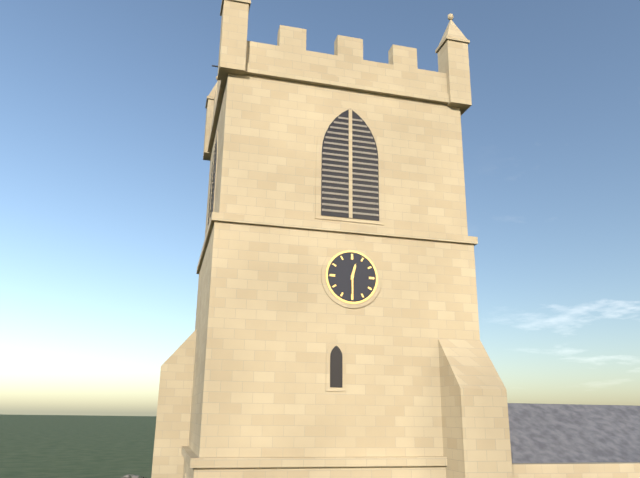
12:30
